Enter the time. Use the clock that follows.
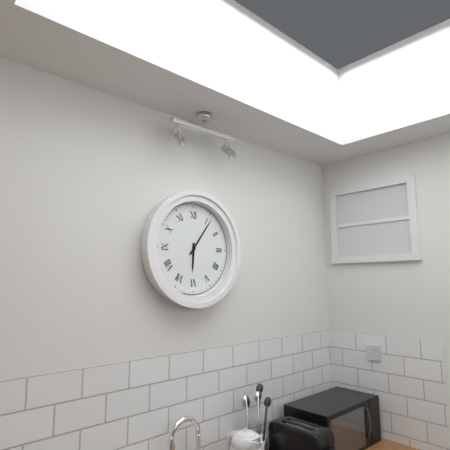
6:06
